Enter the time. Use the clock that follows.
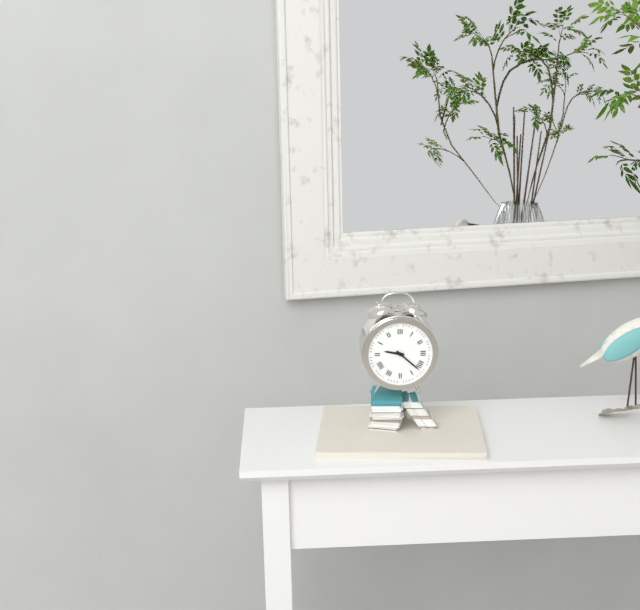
9:22
